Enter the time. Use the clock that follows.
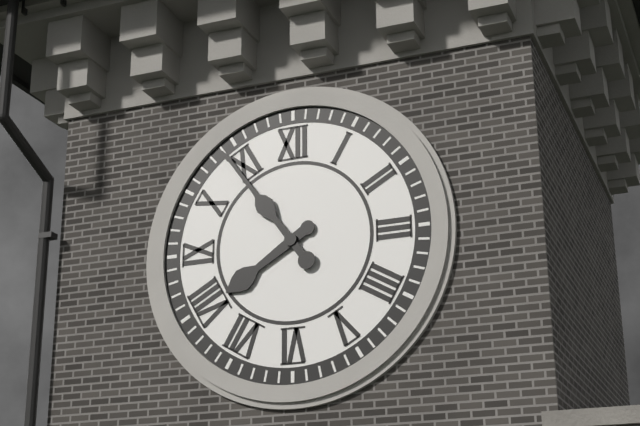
7:54
